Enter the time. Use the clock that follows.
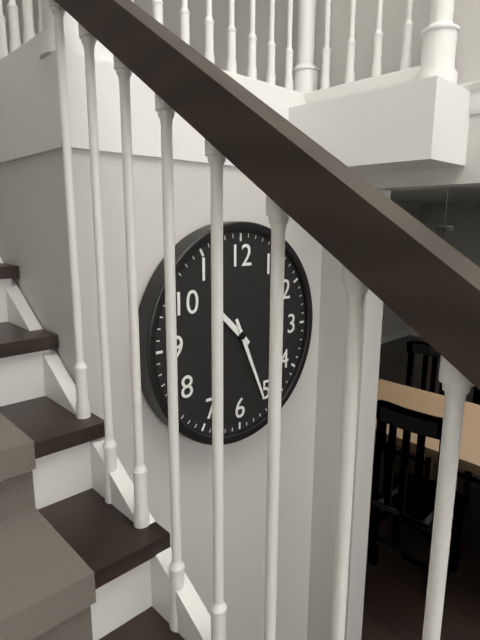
10:26
